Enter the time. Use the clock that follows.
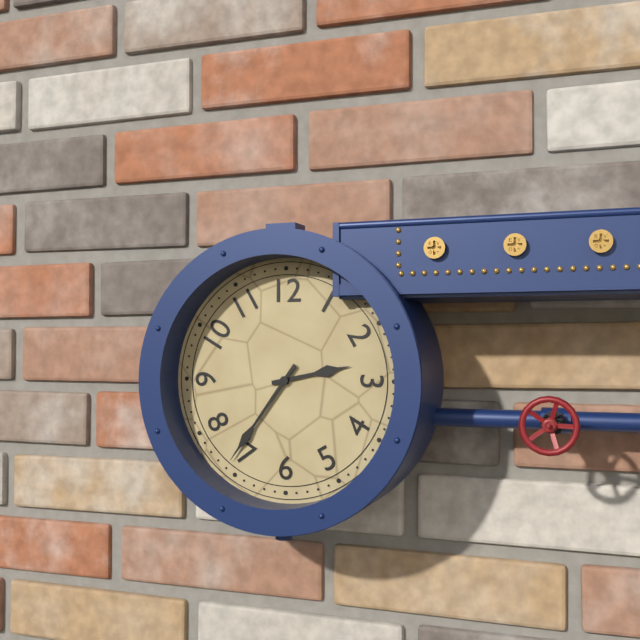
2:36
